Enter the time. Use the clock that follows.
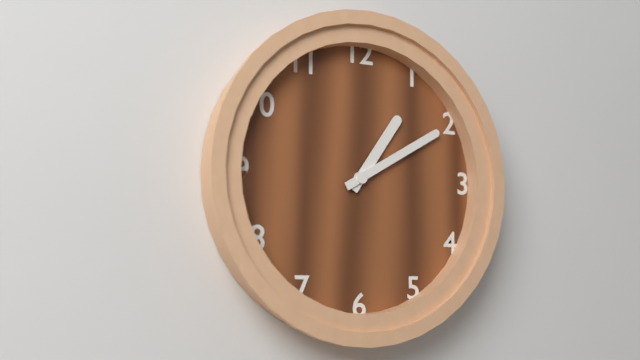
1:10
